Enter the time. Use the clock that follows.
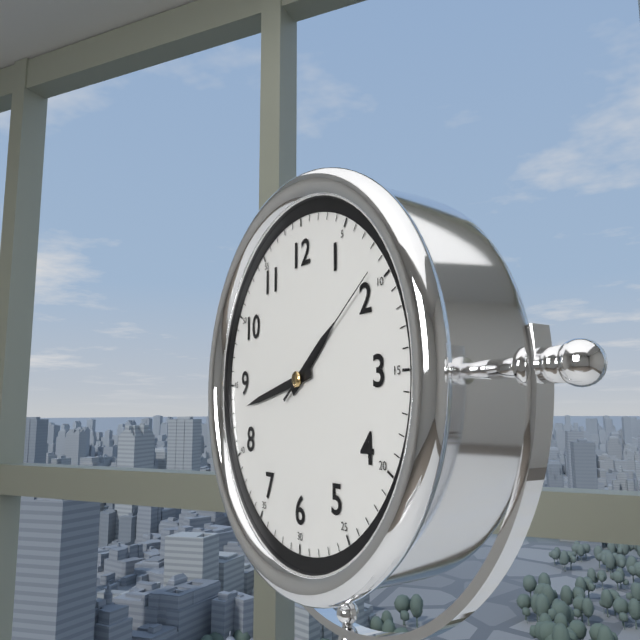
1:43:09
